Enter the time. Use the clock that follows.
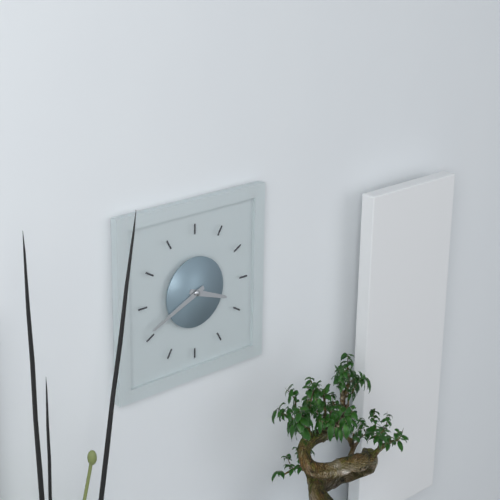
3:41
